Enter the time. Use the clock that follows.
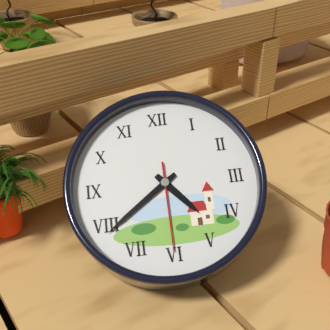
4:39:30
